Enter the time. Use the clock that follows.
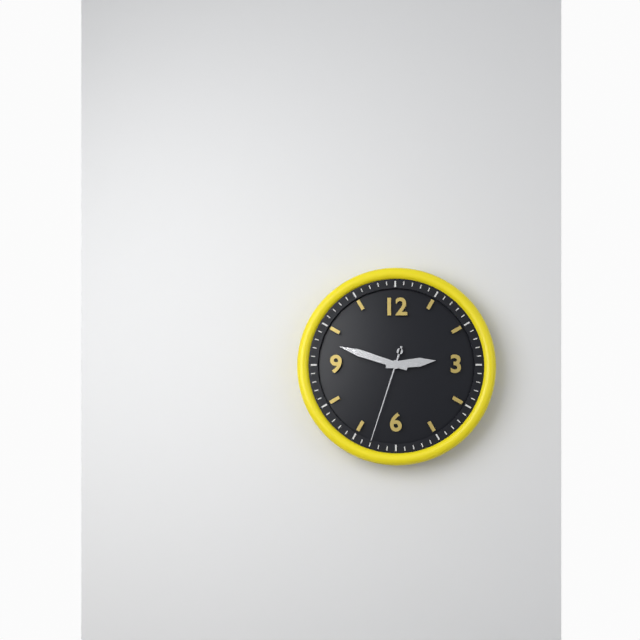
2:48:33
